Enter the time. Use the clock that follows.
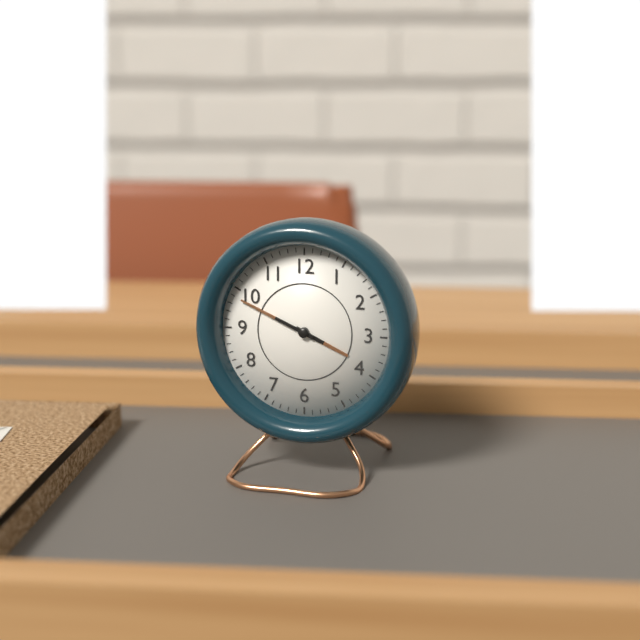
3:49
